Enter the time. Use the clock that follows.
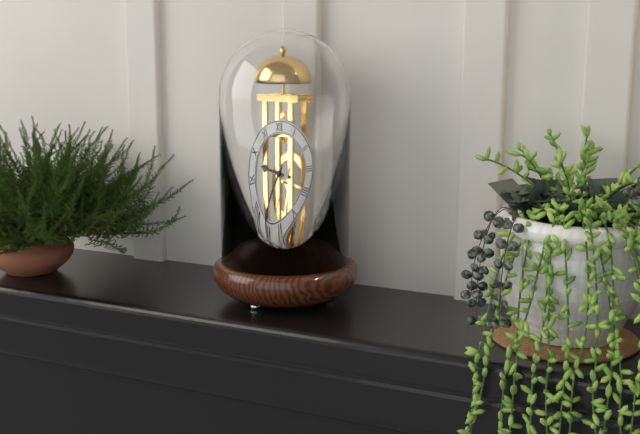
9:36
